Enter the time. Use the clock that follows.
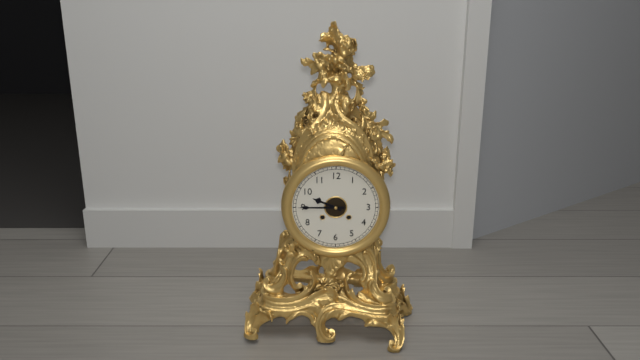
9:45
